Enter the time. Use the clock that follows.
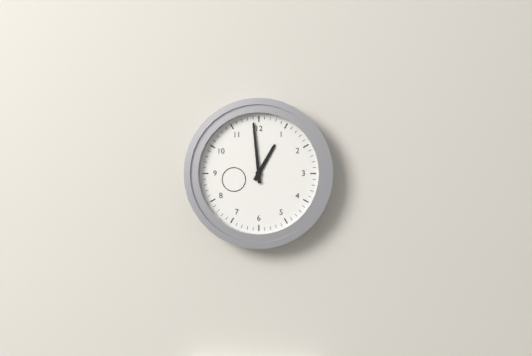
12:59
